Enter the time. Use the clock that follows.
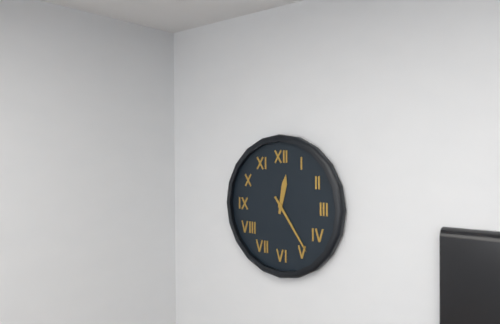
12:24
